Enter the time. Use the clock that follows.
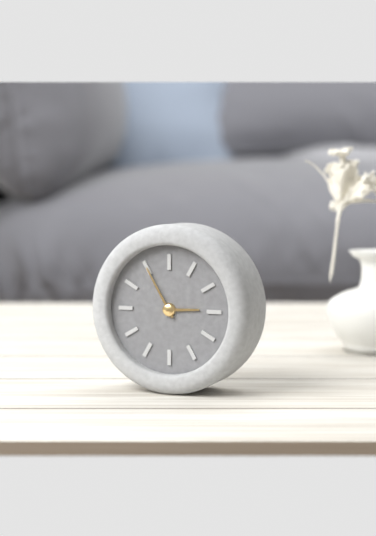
2:55
